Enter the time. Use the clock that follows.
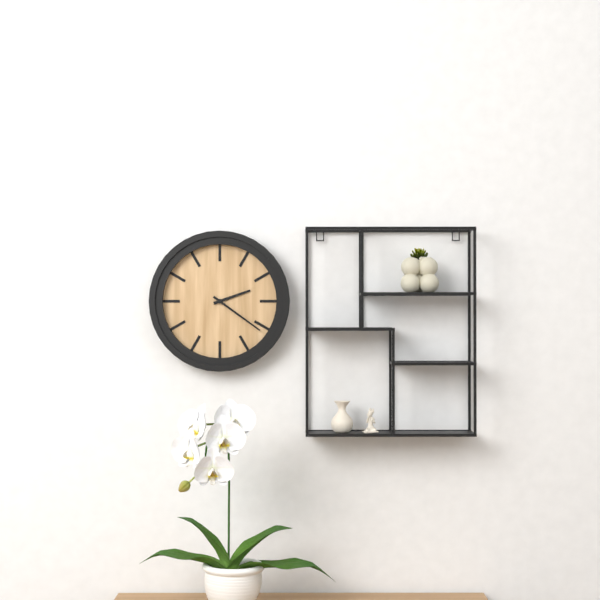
2:21
